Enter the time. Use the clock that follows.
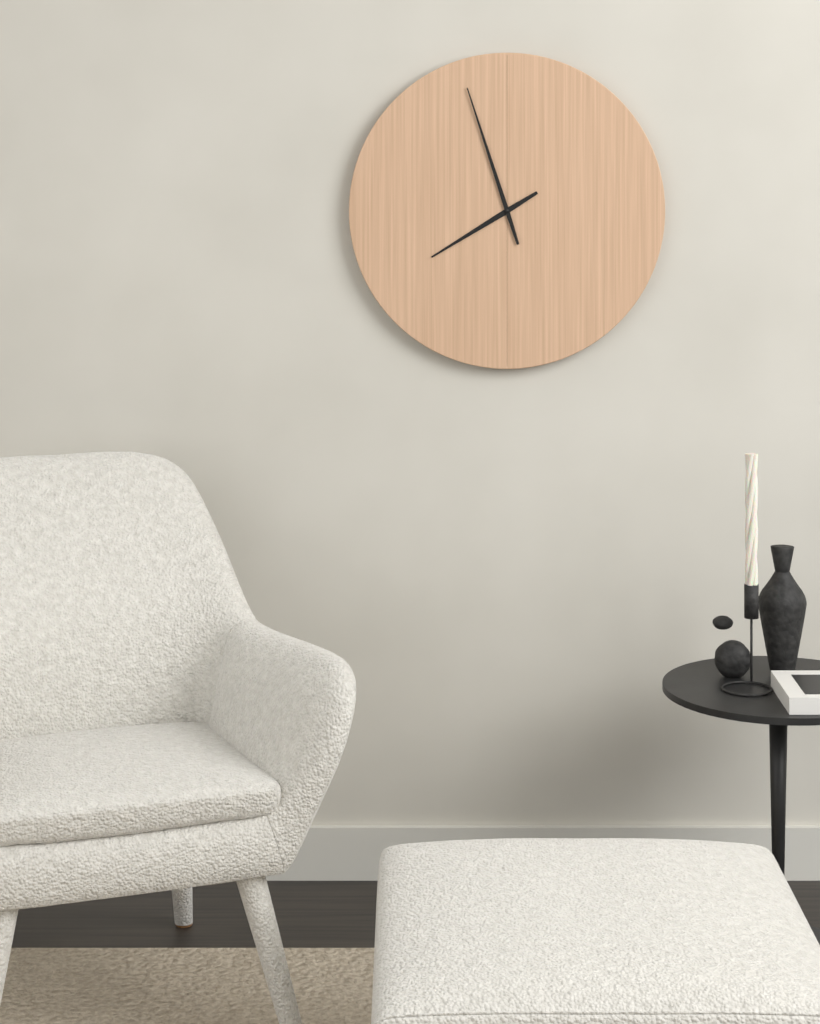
7:57
